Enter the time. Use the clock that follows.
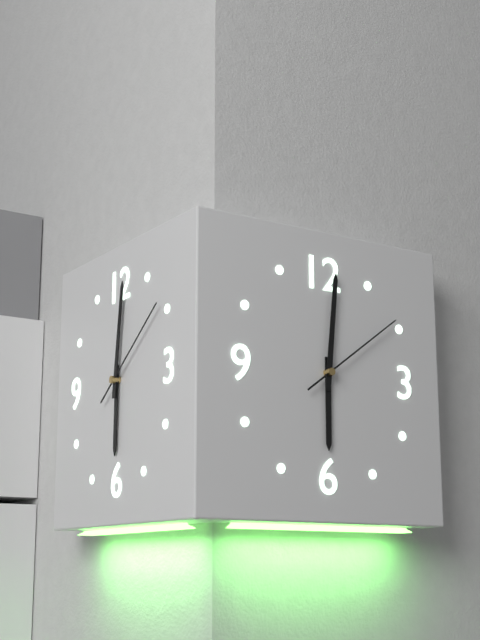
6:01:09
